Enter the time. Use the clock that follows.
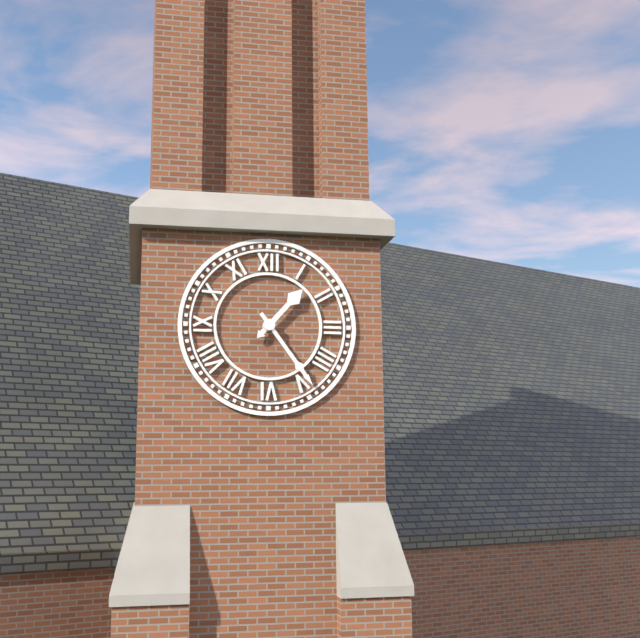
1:24
